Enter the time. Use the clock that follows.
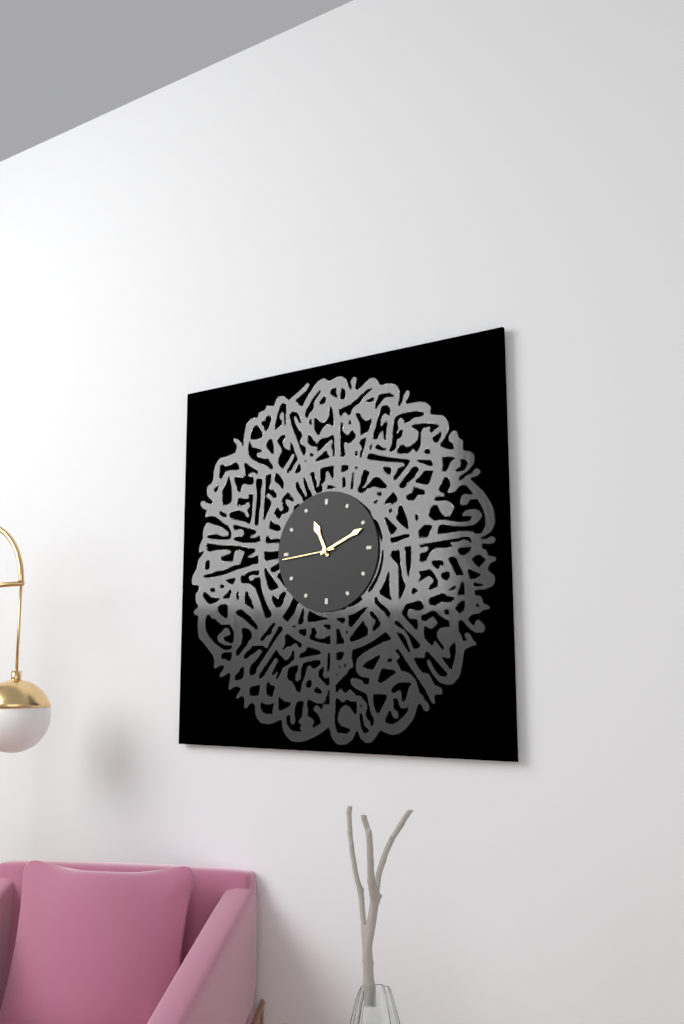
11:11:44
